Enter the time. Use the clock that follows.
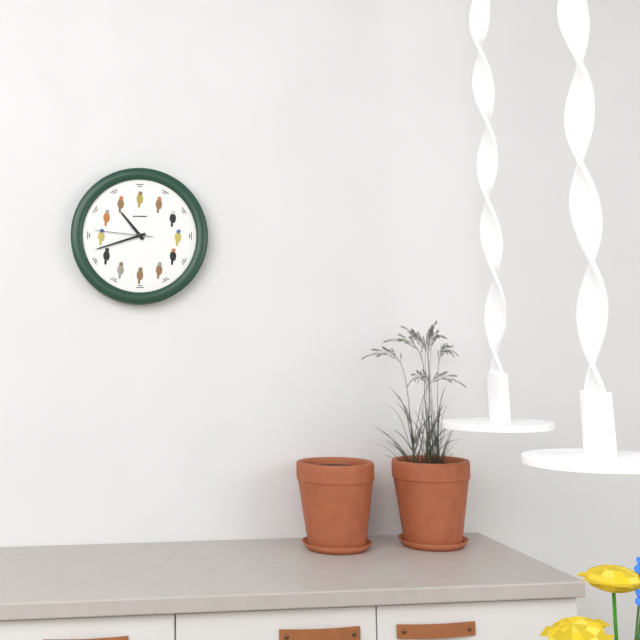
10:42:46
